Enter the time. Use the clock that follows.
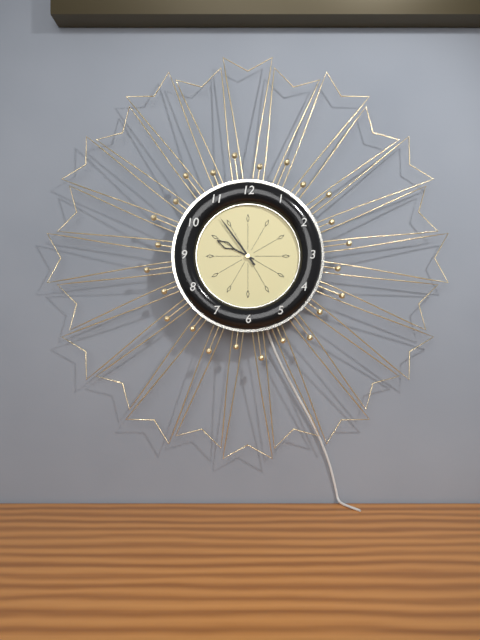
9:54
